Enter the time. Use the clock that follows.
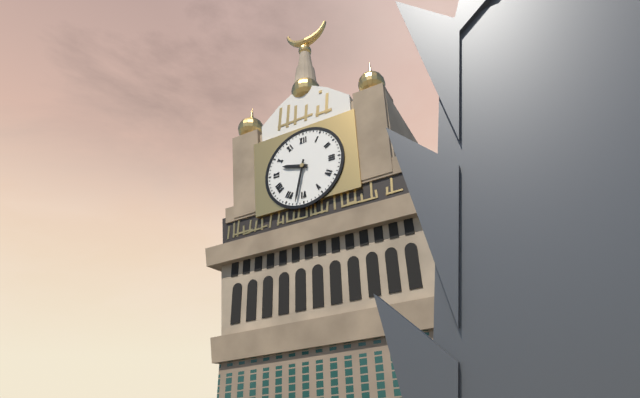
9:32
